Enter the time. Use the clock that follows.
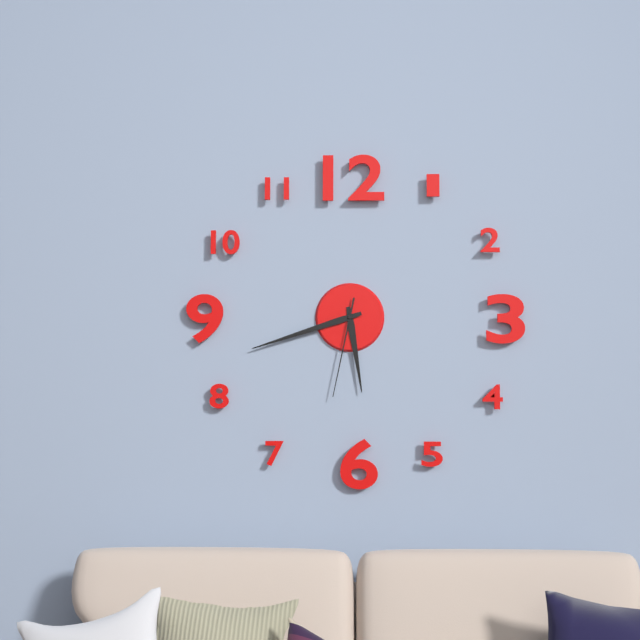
5:42:32
